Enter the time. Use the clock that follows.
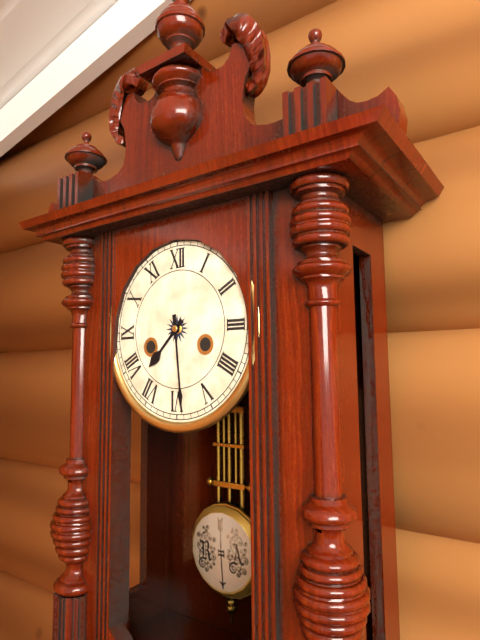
7:29
